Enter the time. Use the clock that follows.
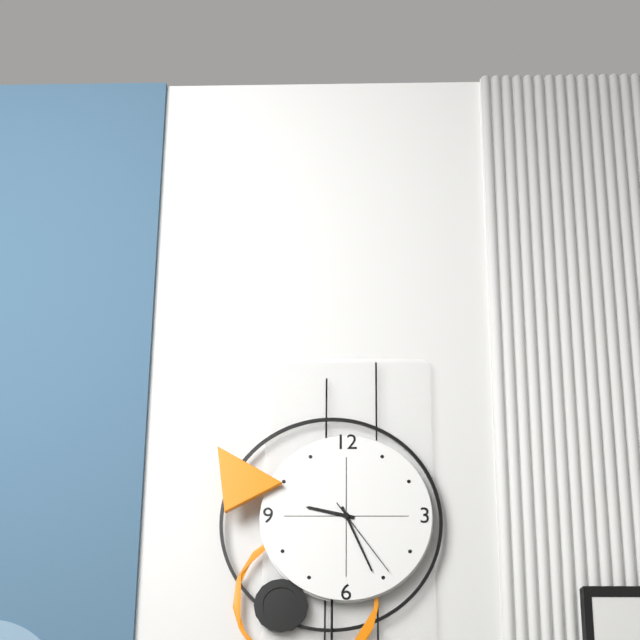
9:26:24
